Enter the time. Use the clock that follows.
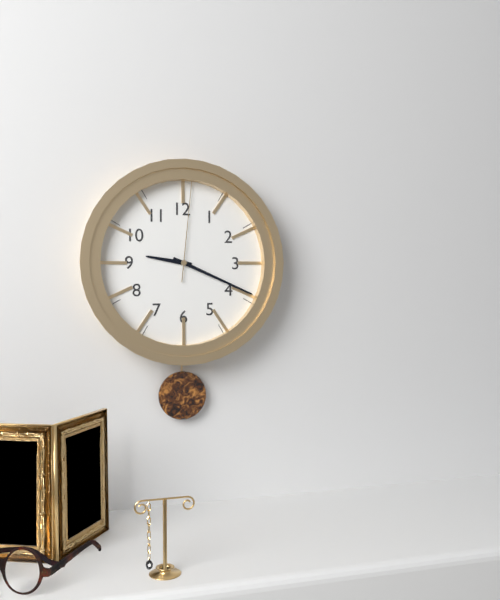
9:19:01
